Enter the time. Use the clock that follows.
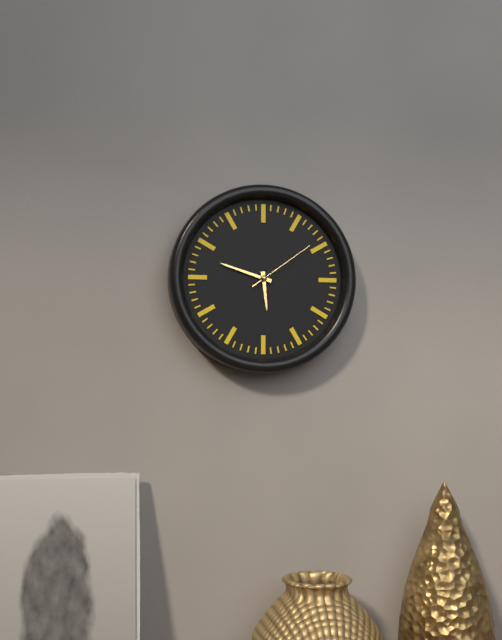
5:48:09
